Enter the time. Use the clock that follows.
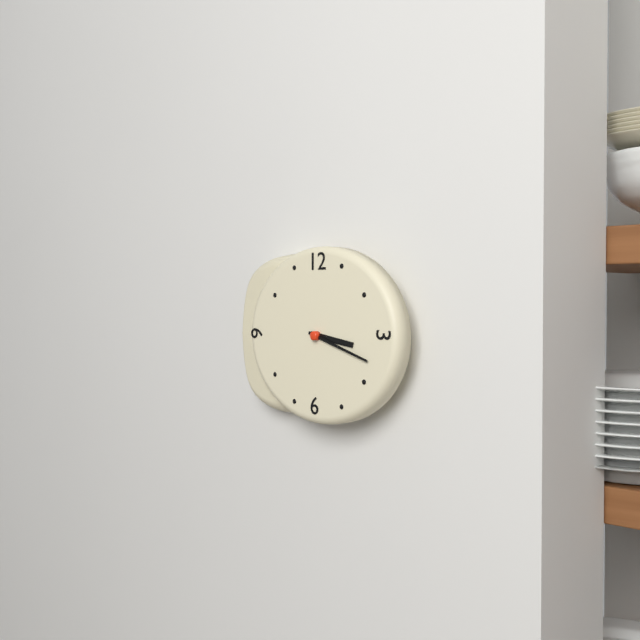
3:18
